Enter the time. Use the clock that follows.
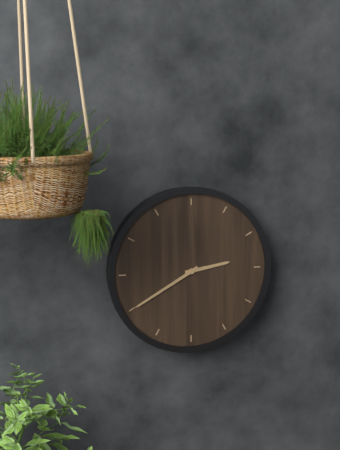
2:40
